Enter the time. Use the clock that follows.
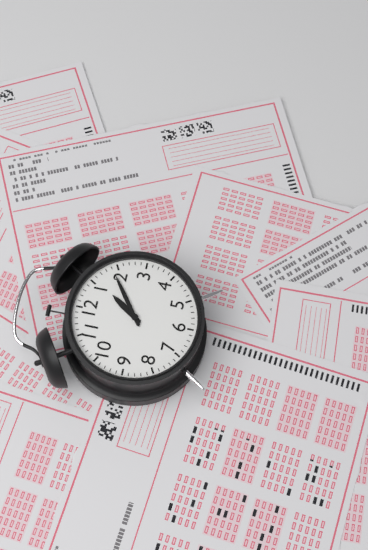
1:09
